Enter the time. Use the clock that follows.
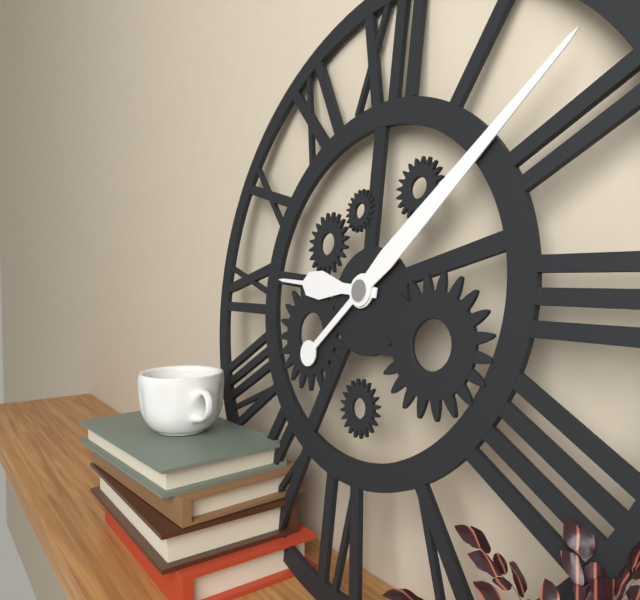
9:08
